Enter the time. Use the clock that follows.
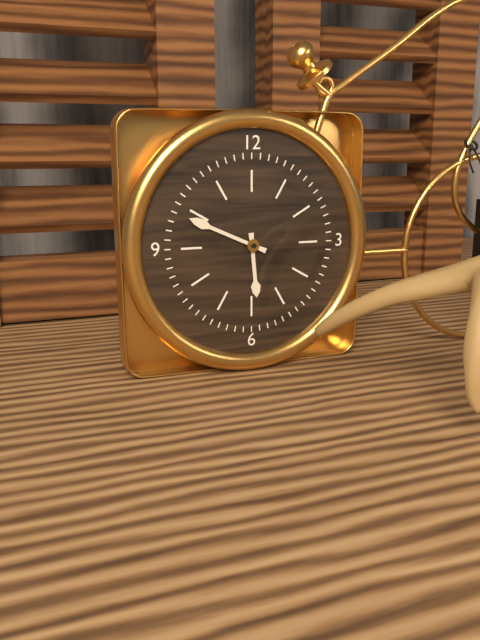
5:49
